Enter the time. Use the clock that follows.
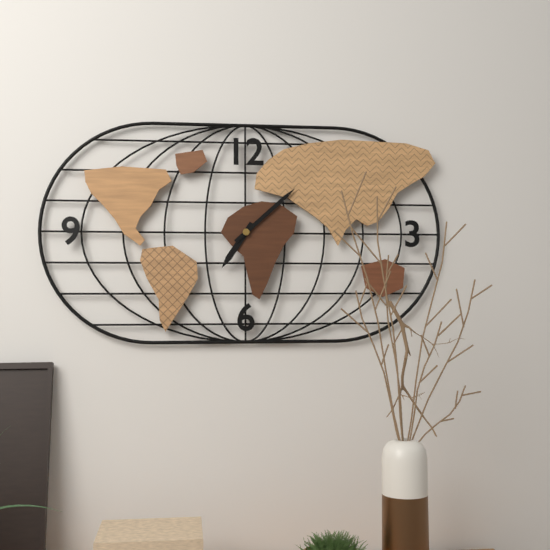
7:08
